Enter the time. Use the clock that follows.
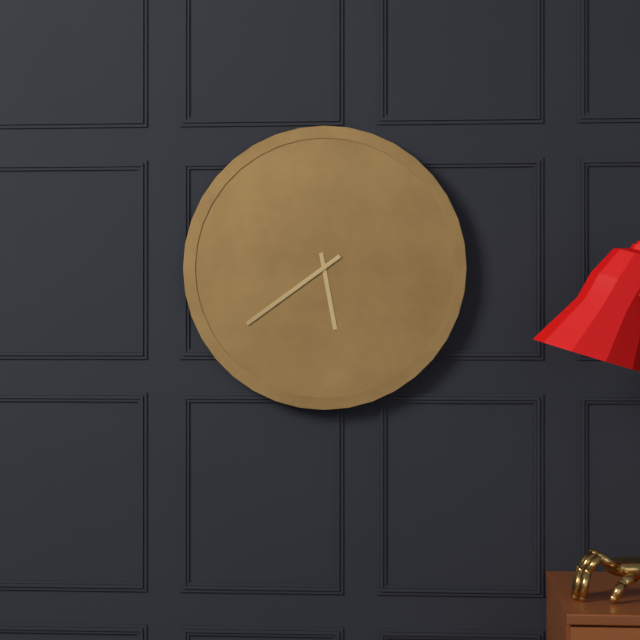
5:39
